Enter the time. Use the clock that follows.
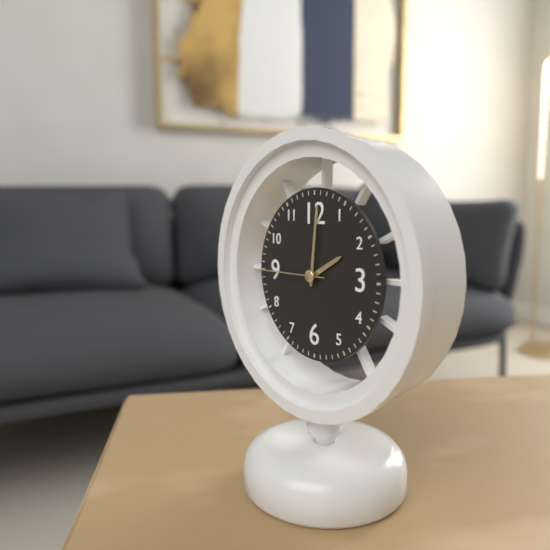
2:01:45
